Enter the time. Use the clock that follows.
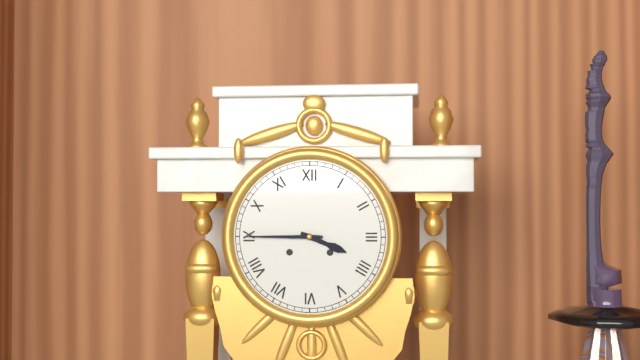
3:45
